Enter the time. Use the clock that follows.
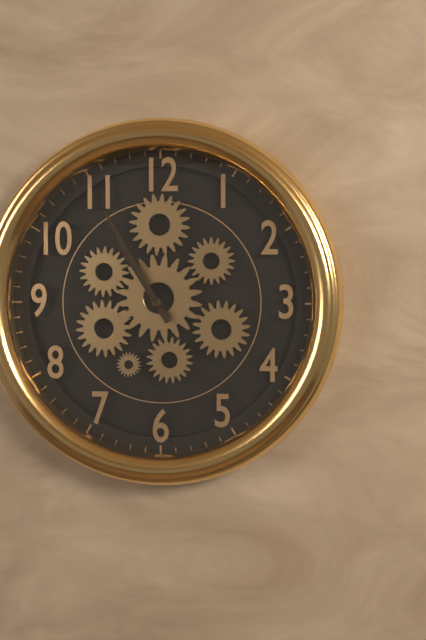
10:55
